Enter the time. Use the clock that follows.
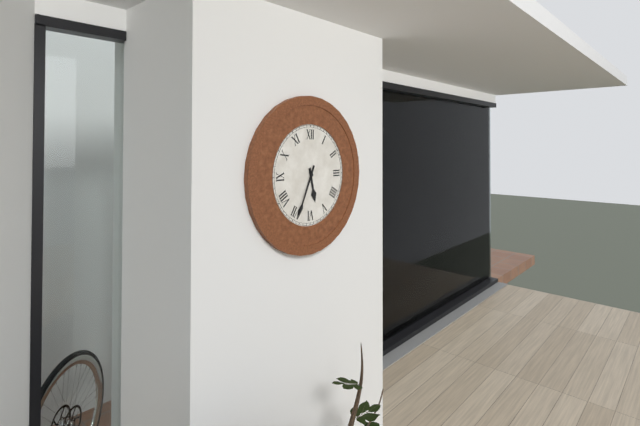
5:34
